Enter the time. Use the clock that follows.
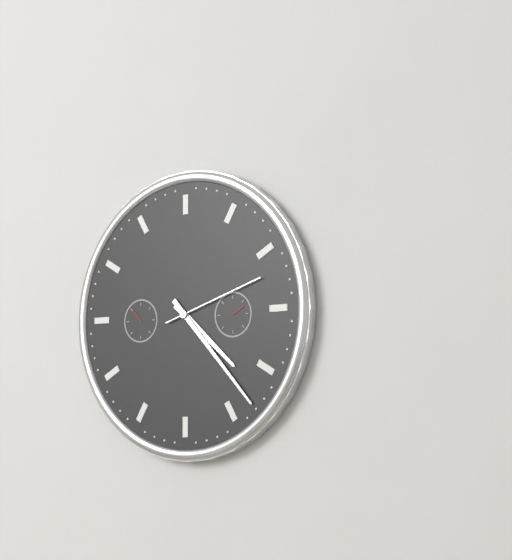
4:23:12
